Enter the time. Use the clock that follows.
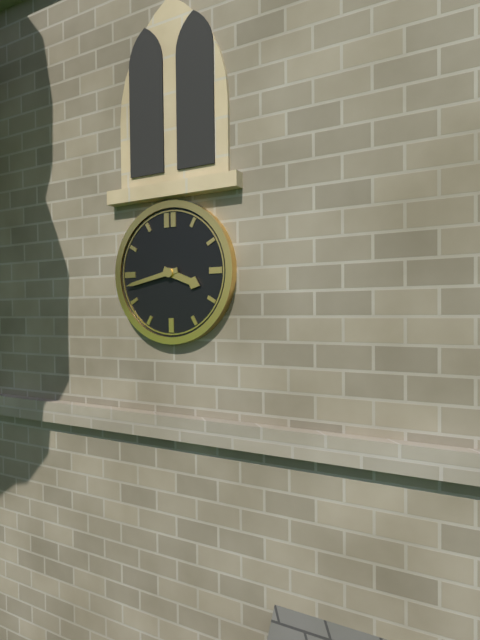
3:43
